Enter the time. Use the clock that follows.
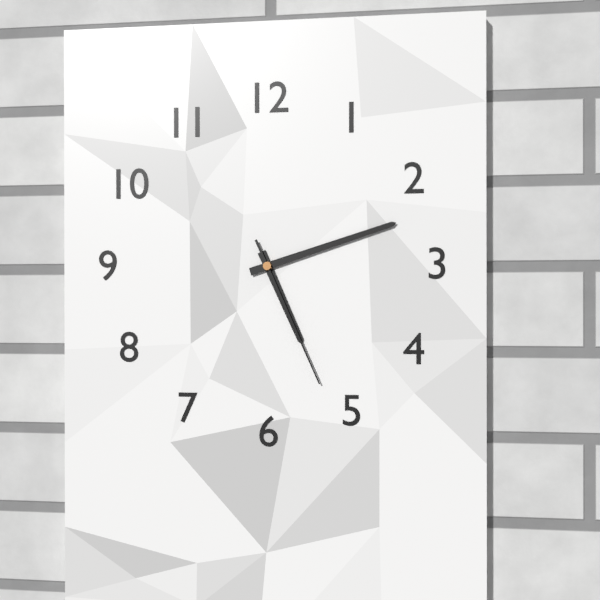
5:12:26
